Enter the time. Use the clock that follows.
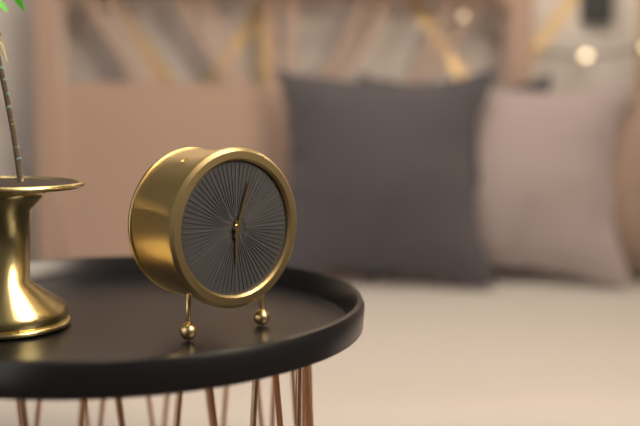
6:03
